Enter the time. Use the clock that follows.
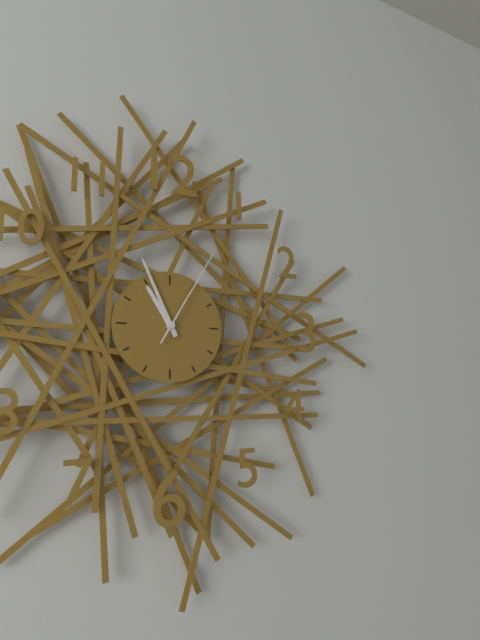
10:56:05
